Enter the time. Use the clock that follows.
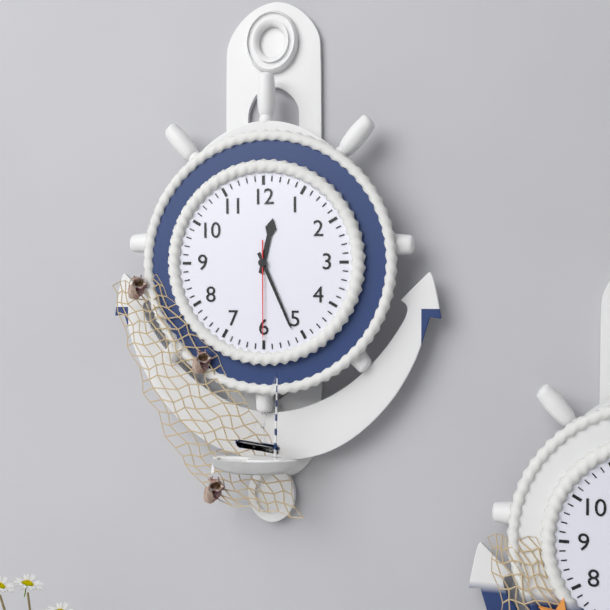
12:26:30
